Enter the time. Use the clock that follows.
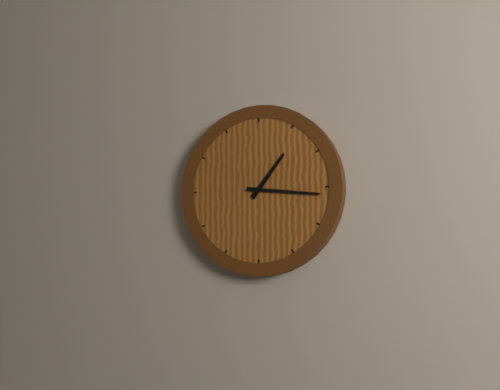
1:16
